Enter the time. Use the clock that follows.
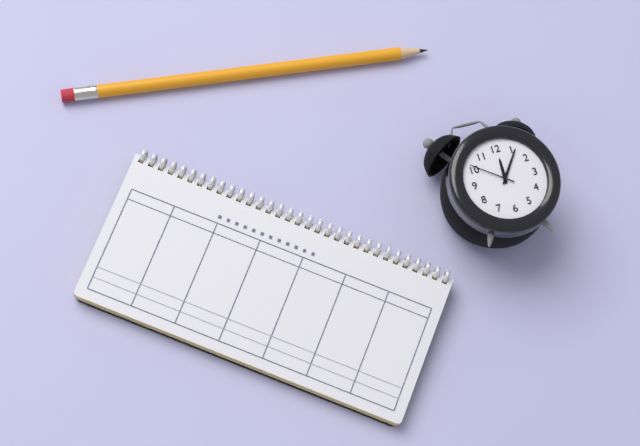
12:06
